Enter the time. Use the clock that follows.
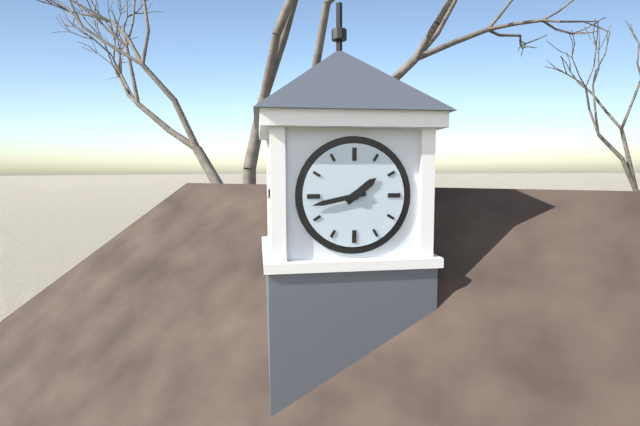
1:43
